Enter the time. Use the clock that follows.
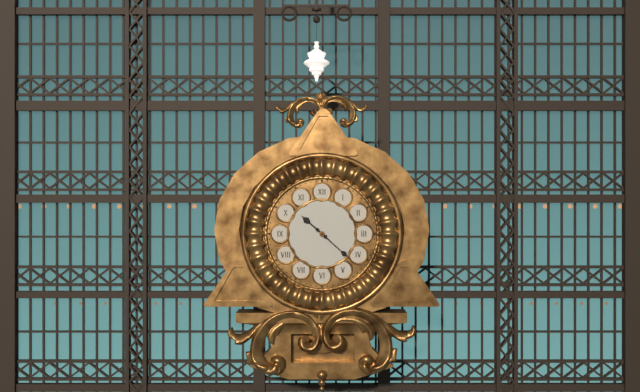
10:22
